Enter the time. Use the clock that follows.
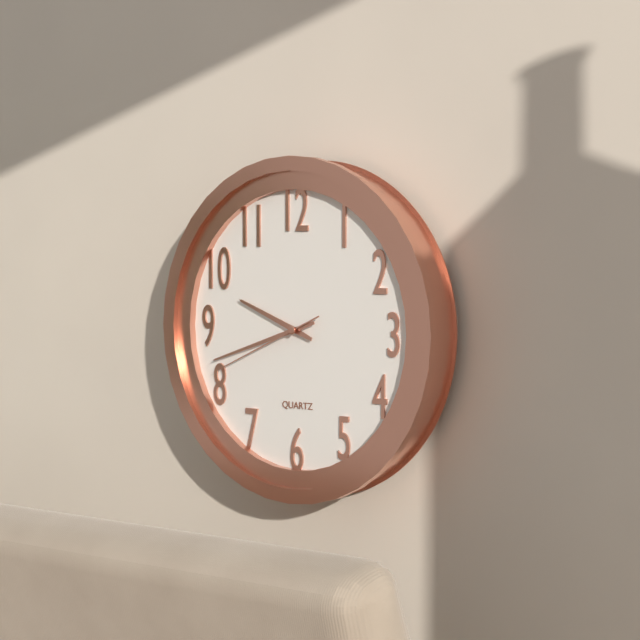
9:42:41
